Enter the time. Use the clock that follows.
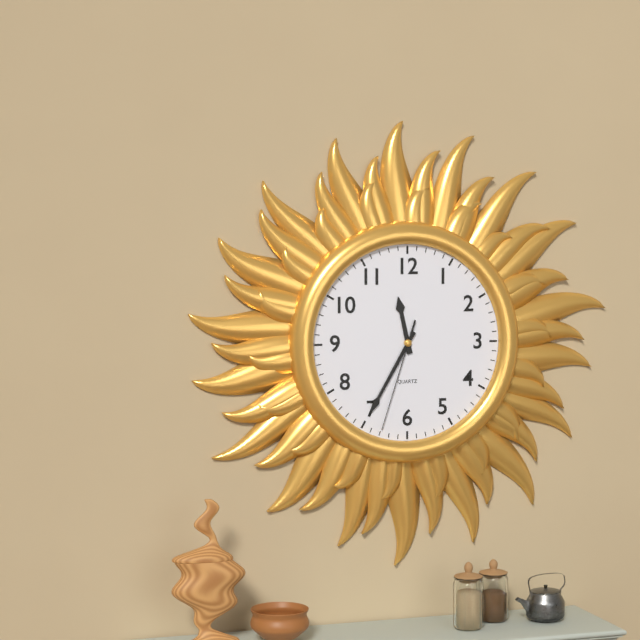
11:35:33
